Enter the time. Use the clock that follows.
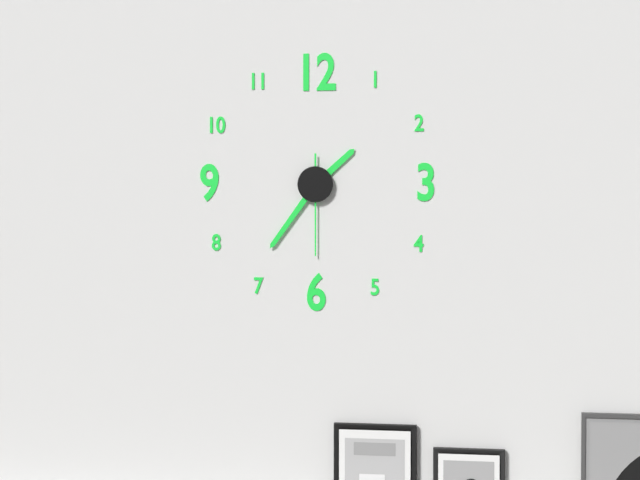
1:36:30
